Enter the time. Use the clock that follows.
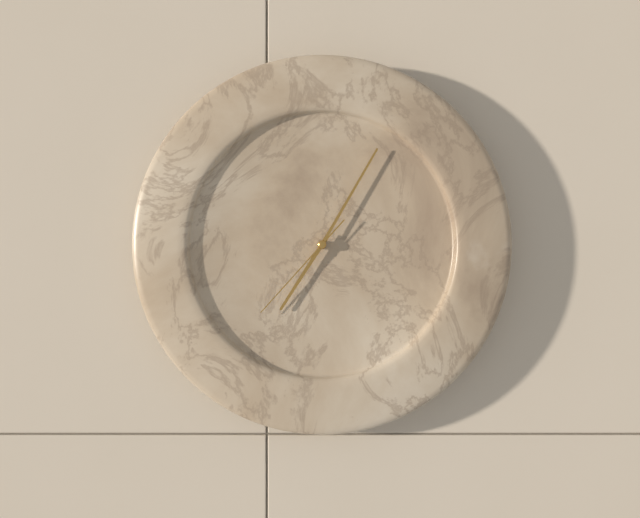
7:05:37
